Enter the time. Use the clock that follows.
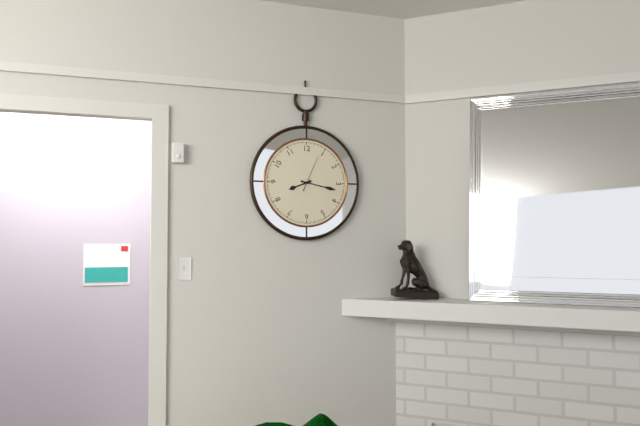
8:17
